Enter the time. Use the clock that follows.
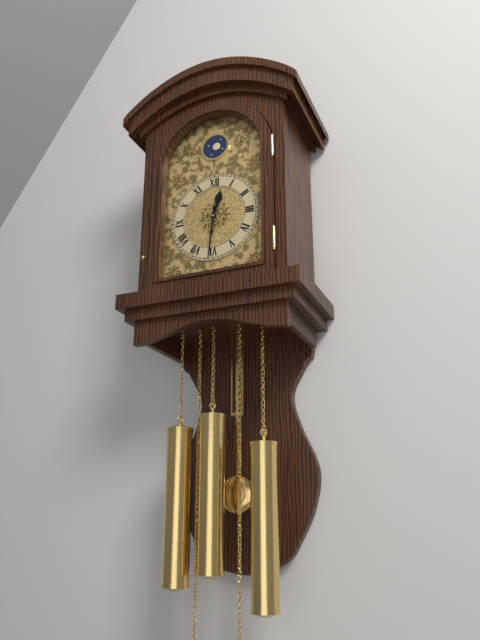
12:31
